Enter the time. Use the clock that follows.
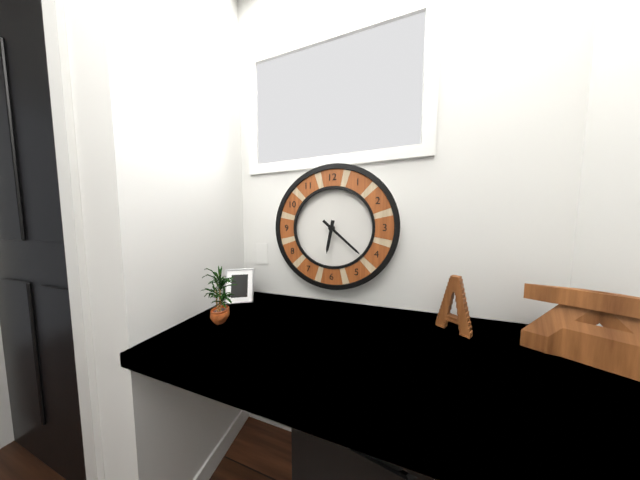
6:22
